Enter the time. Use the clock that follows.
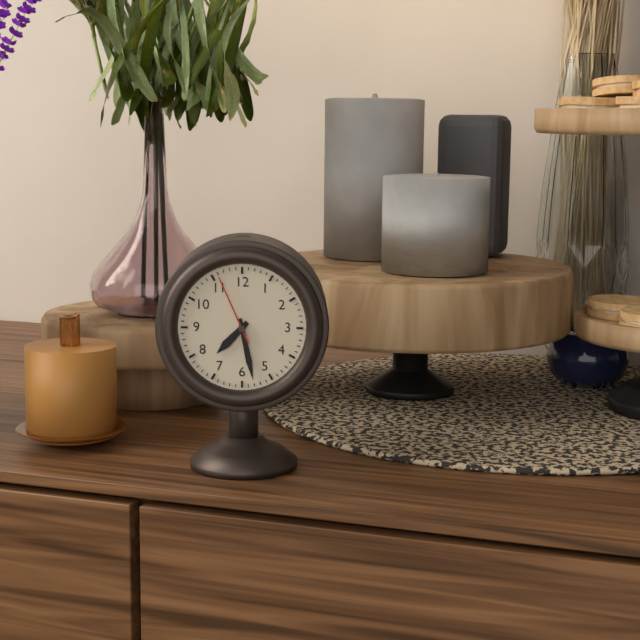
7:28:56
